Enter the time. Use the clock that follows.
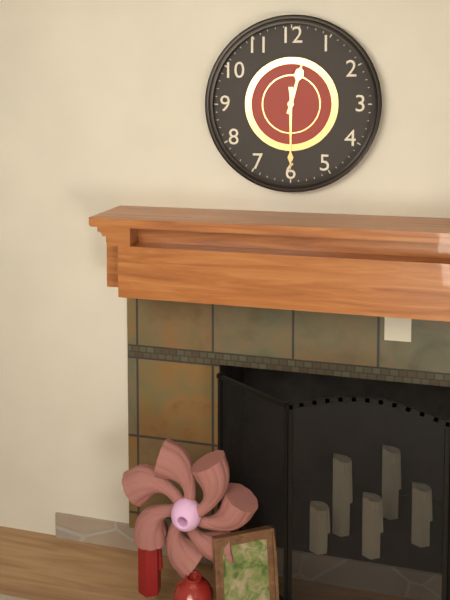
12:30
